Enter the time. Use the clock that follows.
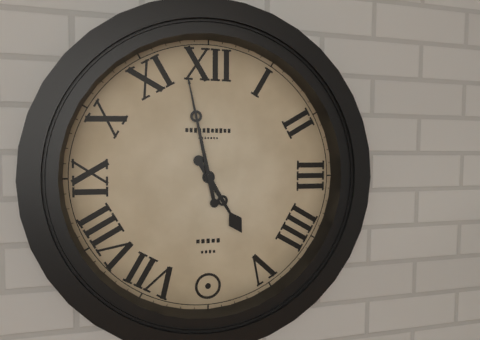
4:58
